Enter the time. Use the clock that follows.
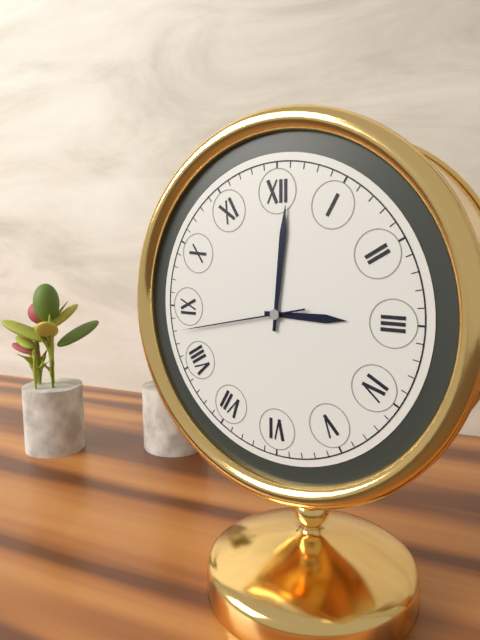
3:01:43
